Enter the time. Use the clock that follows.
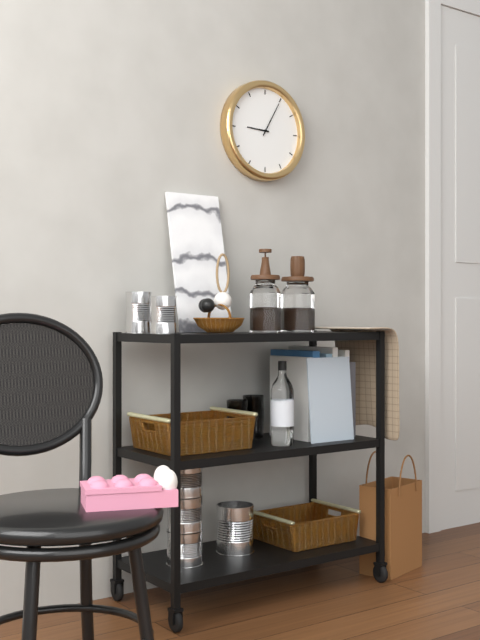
9:05
